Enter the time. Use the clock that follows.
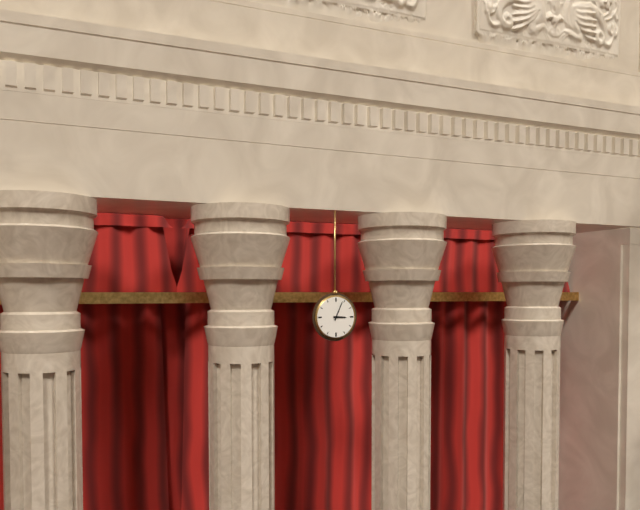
3:04
